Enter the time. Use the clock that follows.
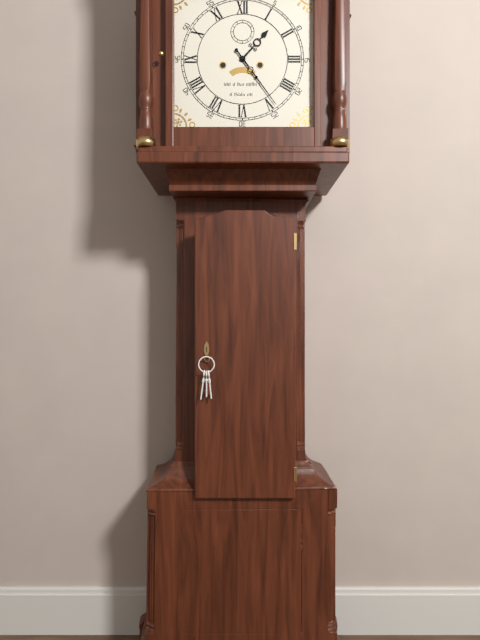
1:24
